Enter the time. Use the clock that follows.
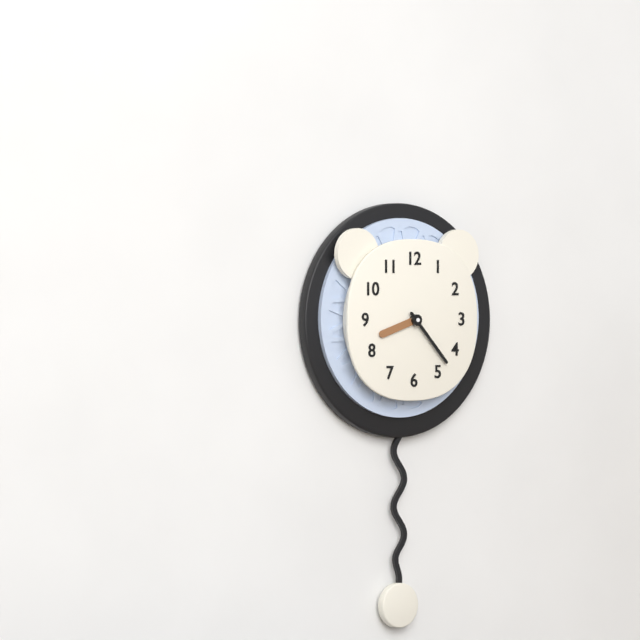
8:23
